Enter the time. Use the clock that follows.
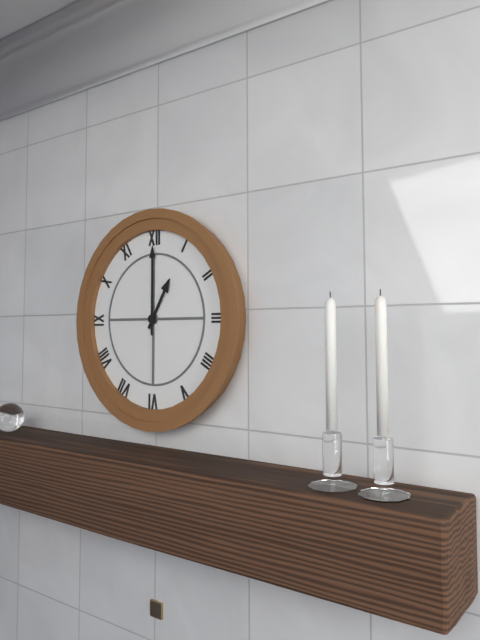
1:00
